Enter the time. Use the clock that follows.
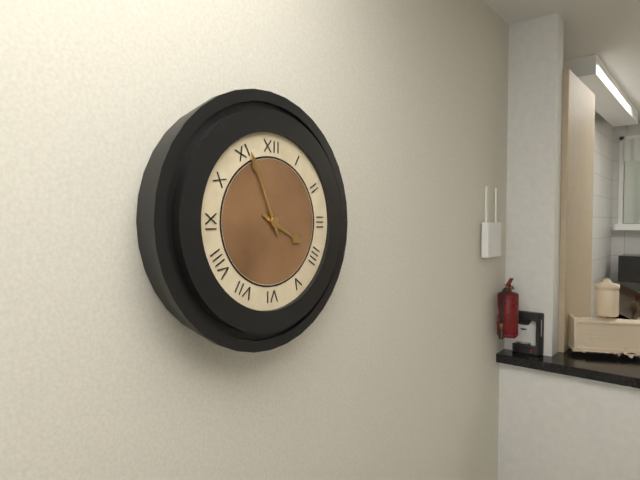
3:56
